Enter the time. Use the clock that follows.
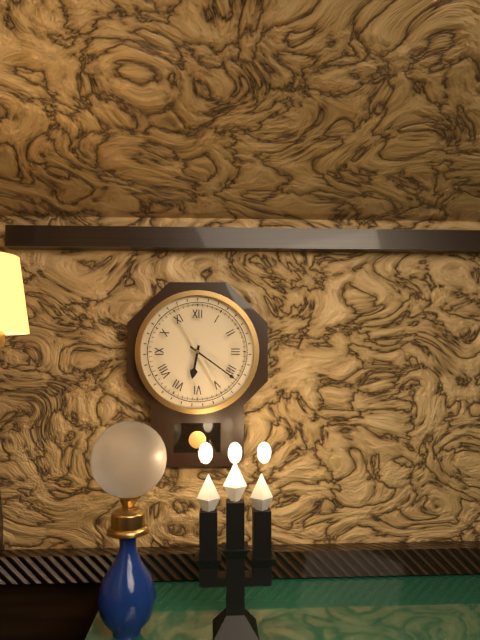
6:21
